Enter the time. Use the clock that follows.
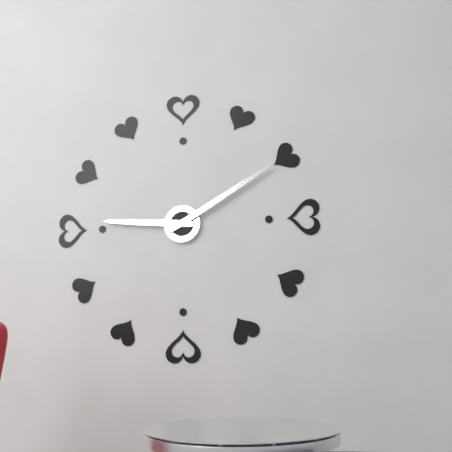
9:10
